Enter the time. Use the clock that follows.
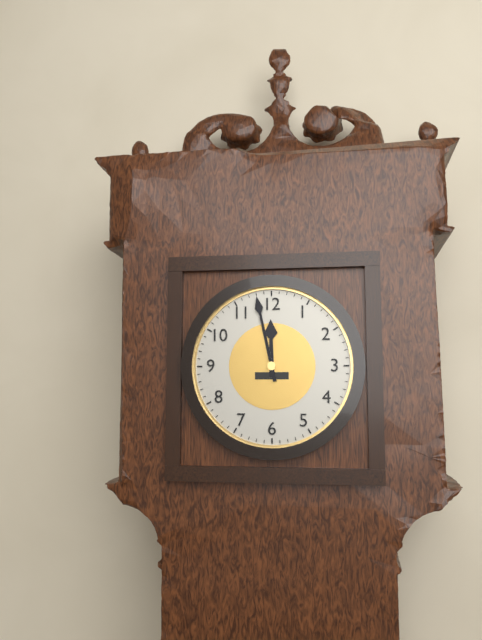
11:58
